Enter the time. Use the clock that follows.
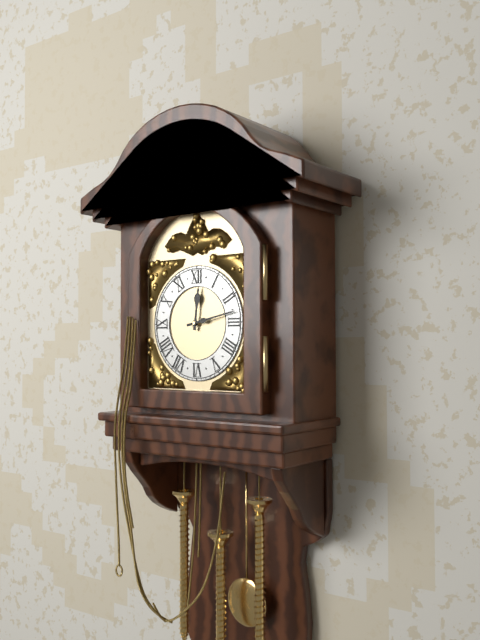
12:13
